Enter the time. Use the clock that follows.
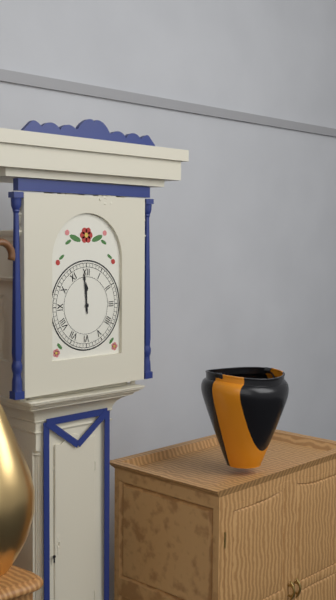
11:59
